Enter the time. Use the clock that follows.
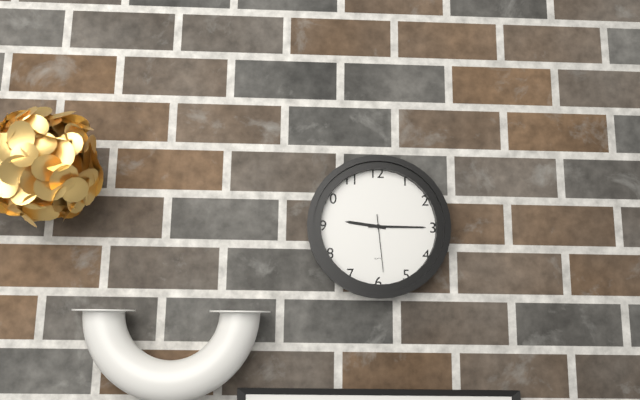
9:15:29
